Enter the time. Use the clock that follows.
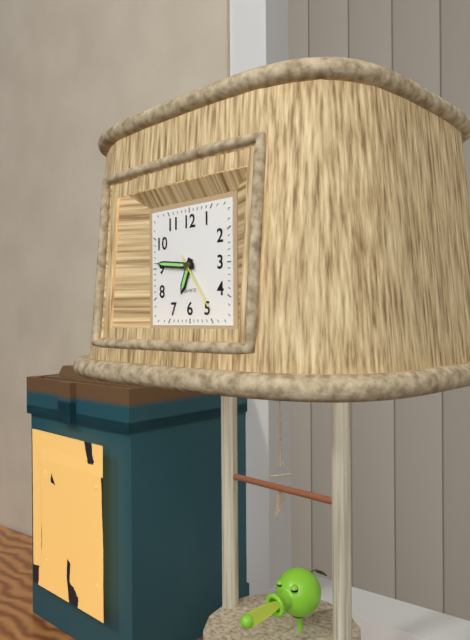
6:46:24
